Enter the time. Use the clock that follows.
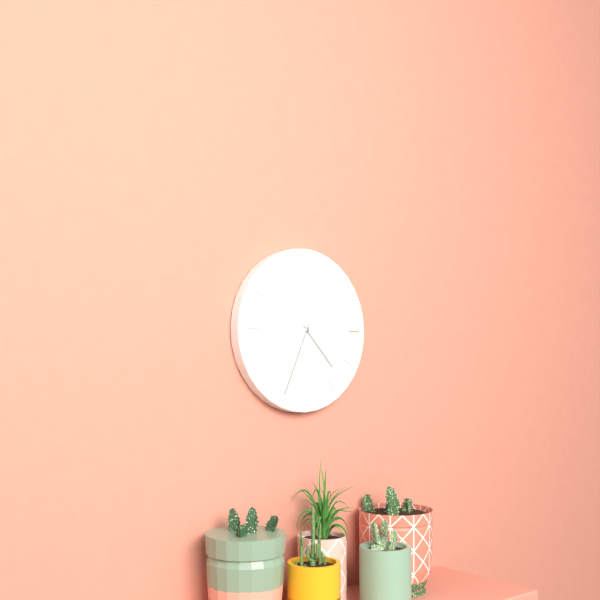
4:34
